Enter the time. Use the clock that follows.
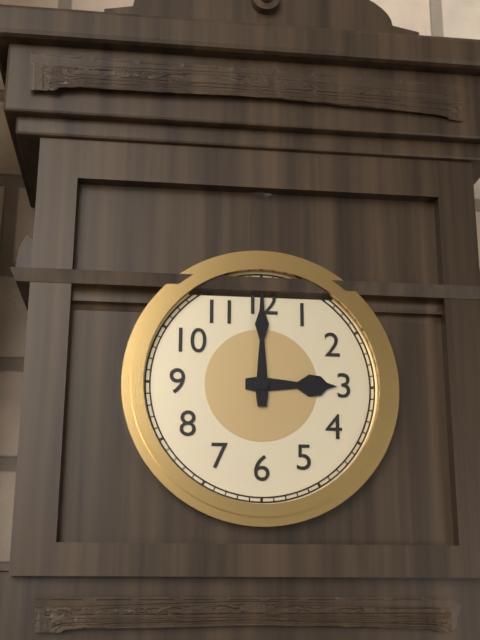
3:00
